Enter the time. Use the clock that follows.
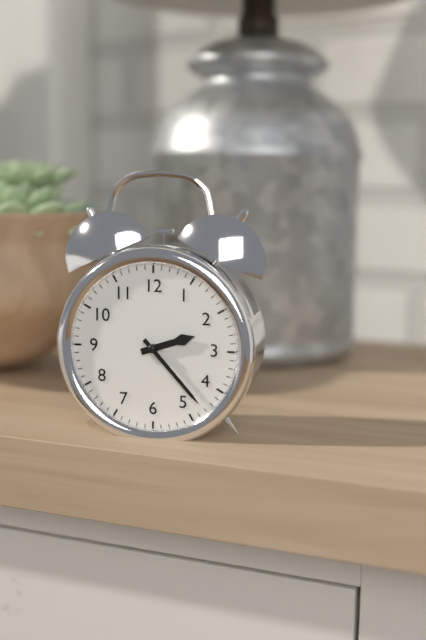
2:23
